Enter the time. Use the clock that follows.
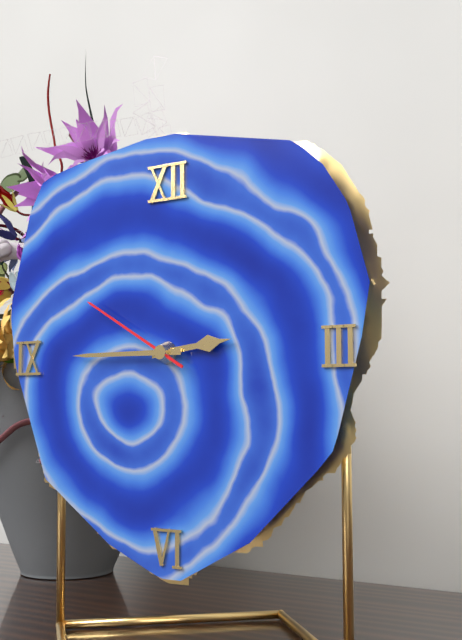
2:45:50
